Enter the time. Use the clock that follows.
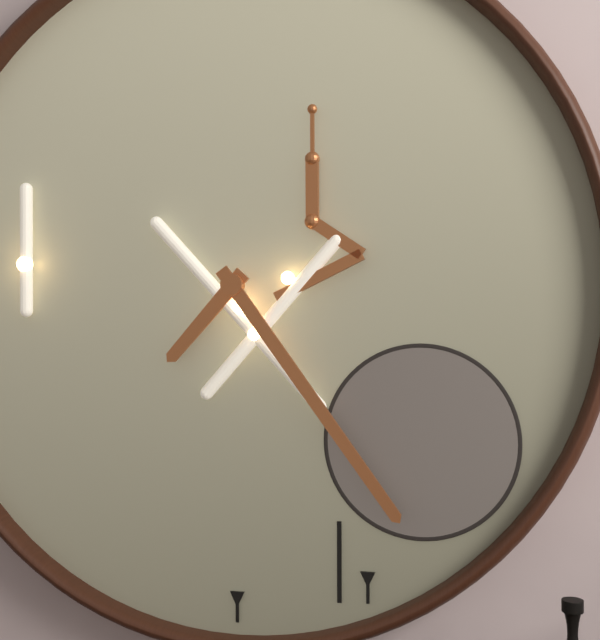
7:24
